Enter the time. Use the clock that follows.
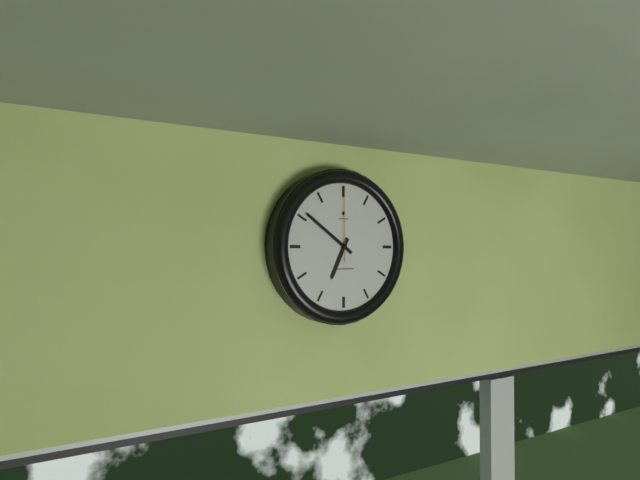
6:51:00
